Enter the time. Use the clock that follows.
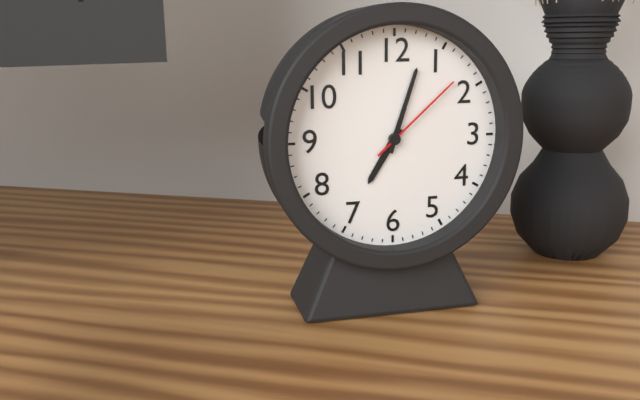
7:03:08
